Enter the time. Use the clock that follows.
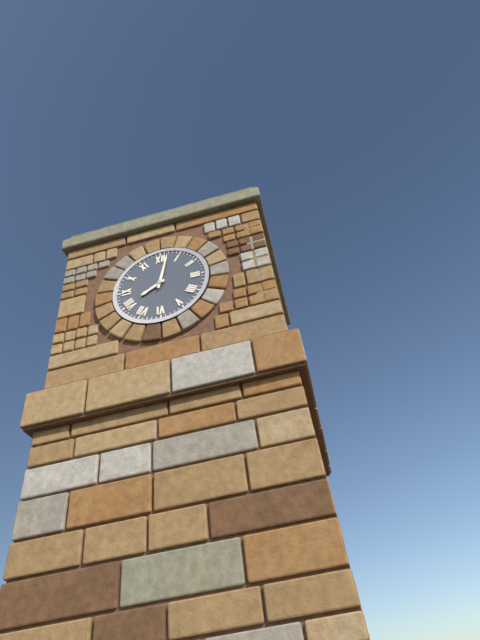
8:02
